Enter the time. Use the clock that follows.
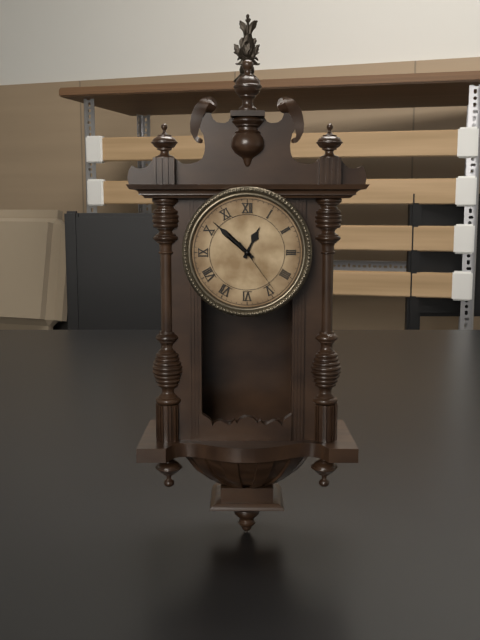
12:52:24
